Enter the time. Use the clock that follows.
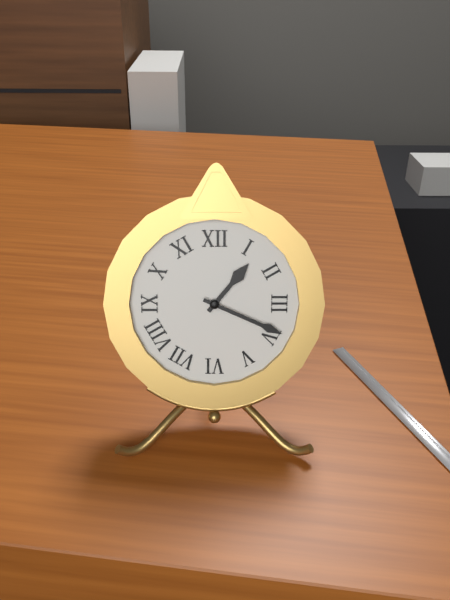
1:19
